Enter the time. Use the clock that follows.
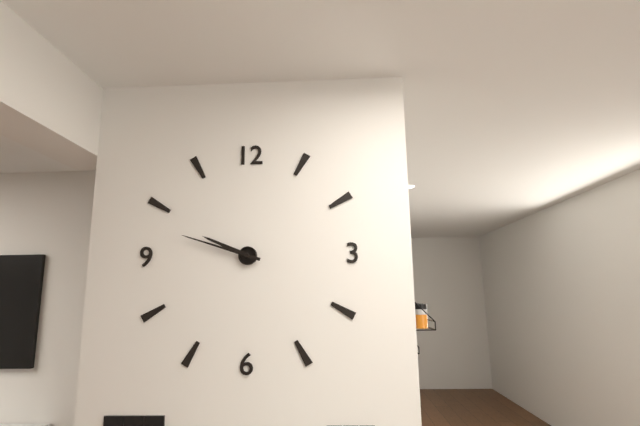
9:48
